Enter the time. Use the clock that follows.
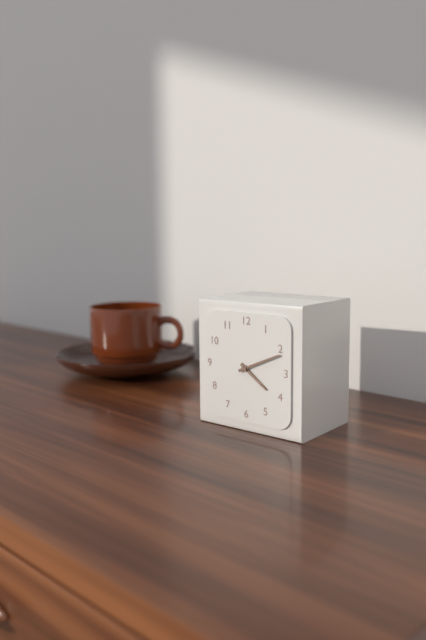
4:11
